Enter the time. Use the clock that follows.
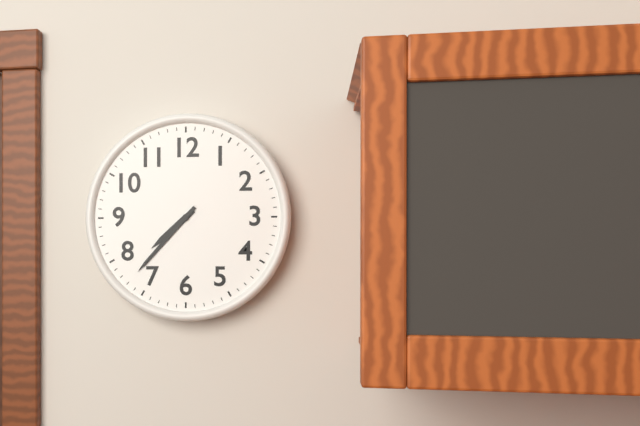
7:37
